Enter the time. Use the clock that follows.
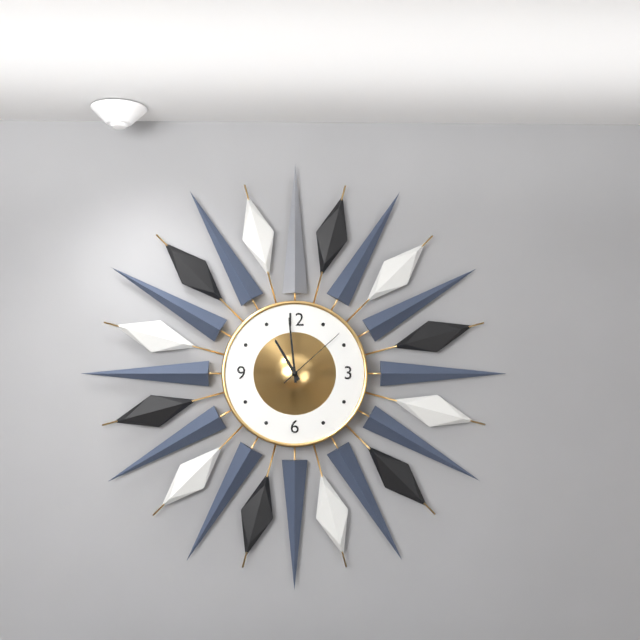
10:59:08
